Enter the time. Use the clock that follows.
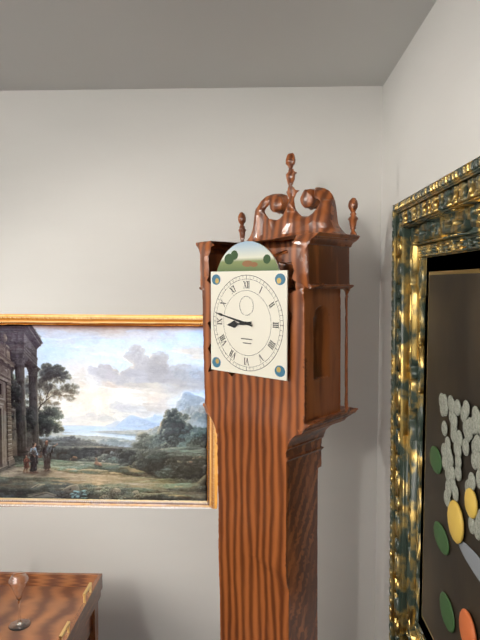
8:47
